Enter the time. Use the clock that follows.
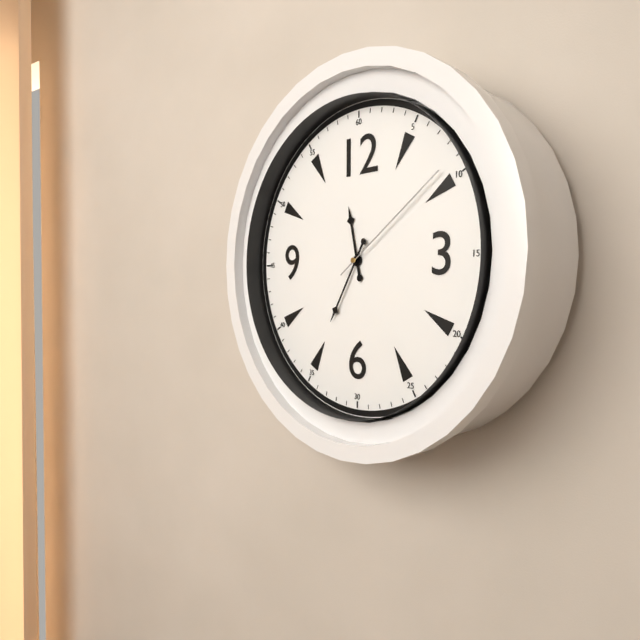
11:35:09
